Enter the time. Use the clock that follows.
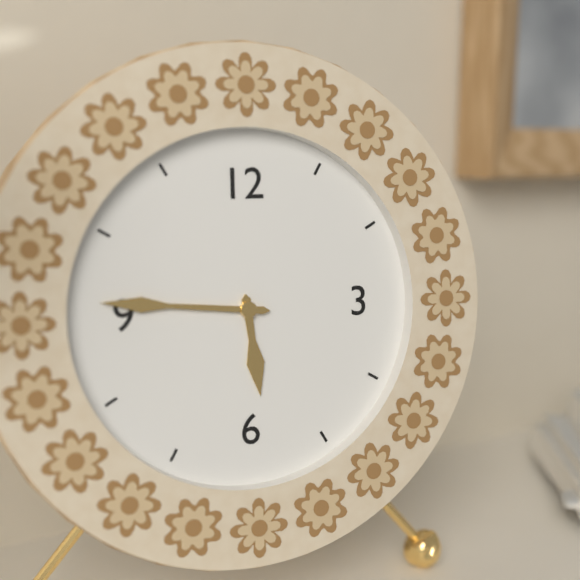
5:46
